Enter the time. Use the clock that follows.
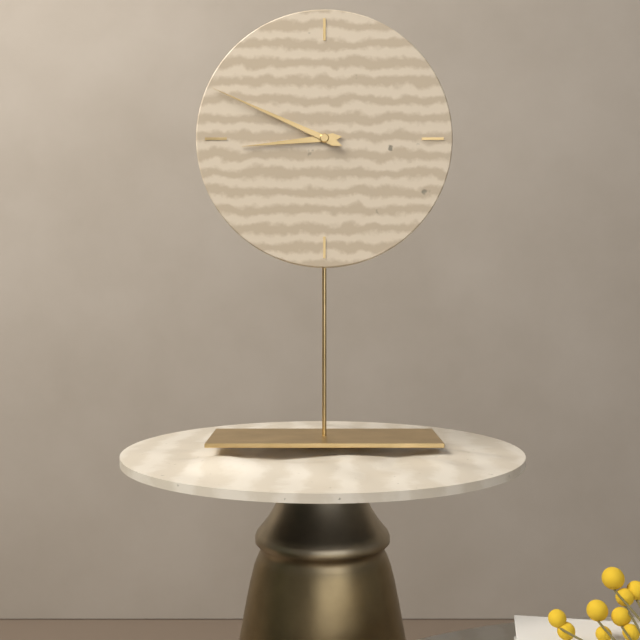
8:49
